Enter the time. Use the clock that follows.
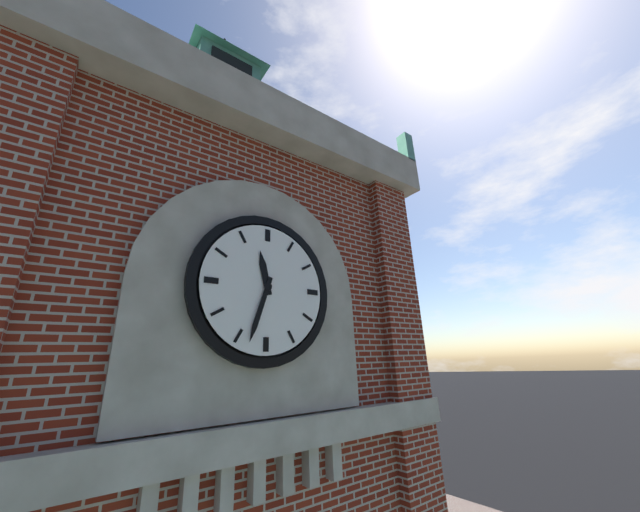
11:33
